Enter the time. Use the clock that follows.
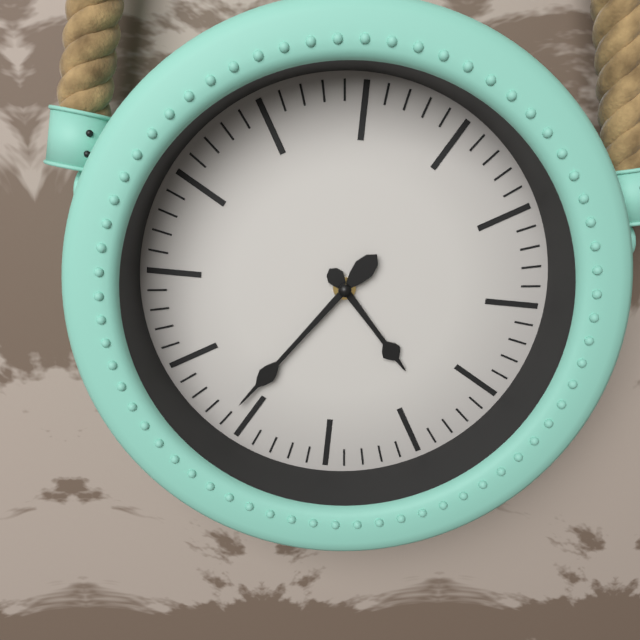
4:36
